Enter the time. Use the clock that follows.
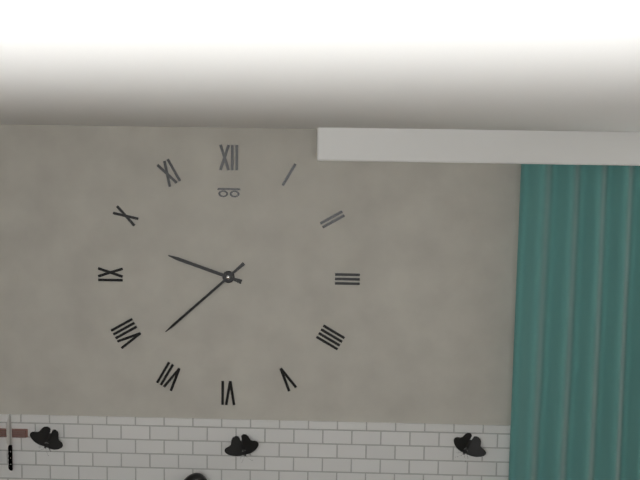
9:38
